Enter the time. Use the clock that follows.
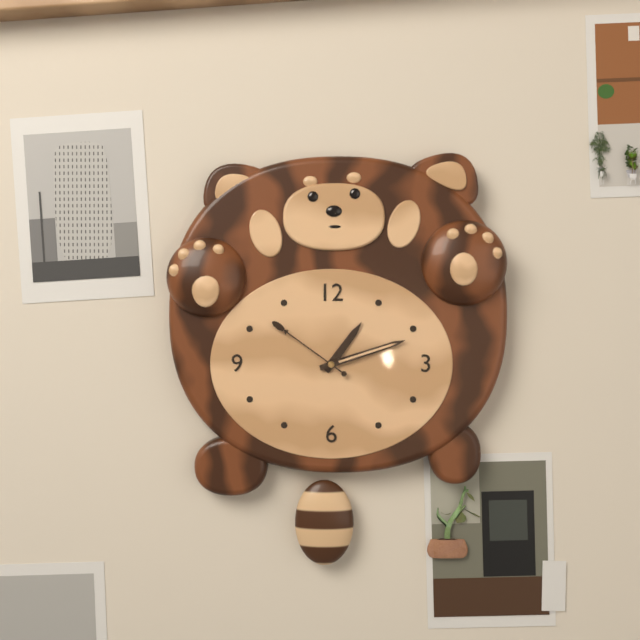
1:12:51
